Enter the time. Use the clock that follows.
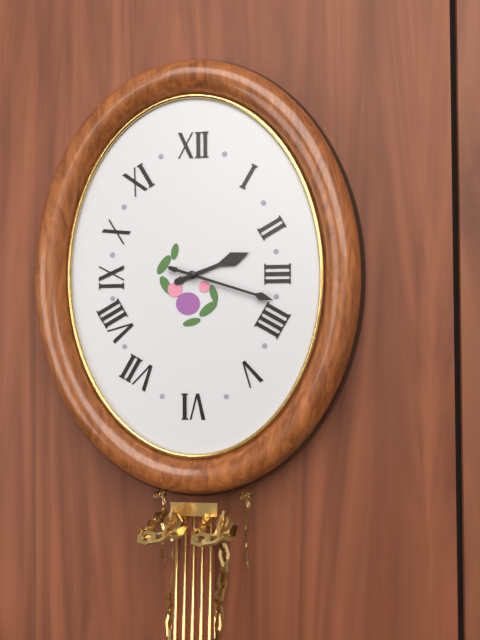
2:18
